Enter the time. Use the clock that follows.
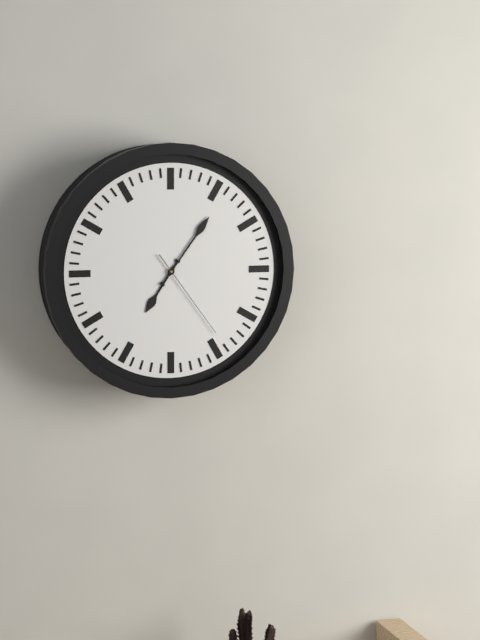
7:06:24
